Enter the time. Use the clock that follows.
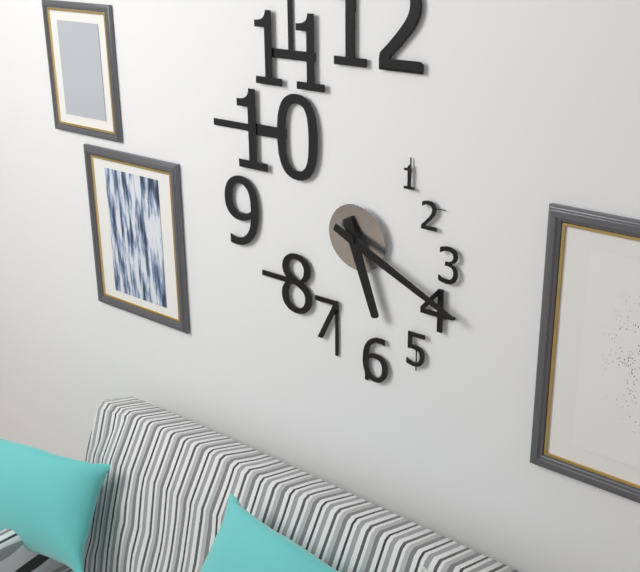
5:19
